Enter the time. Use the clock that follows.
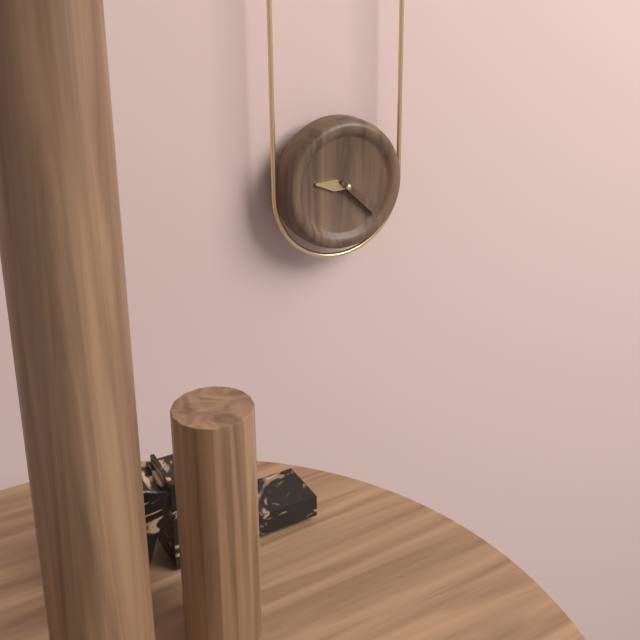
9:22
